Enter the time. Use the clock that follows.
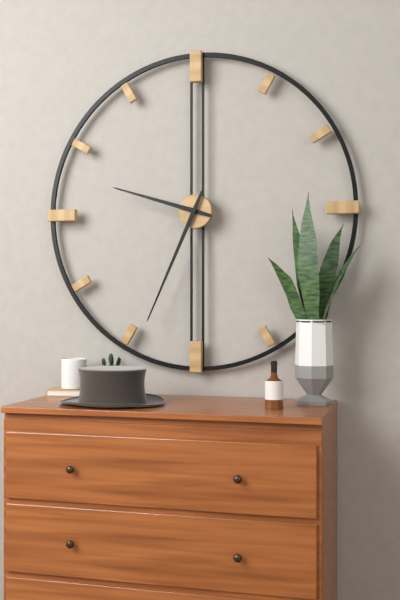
9:34
